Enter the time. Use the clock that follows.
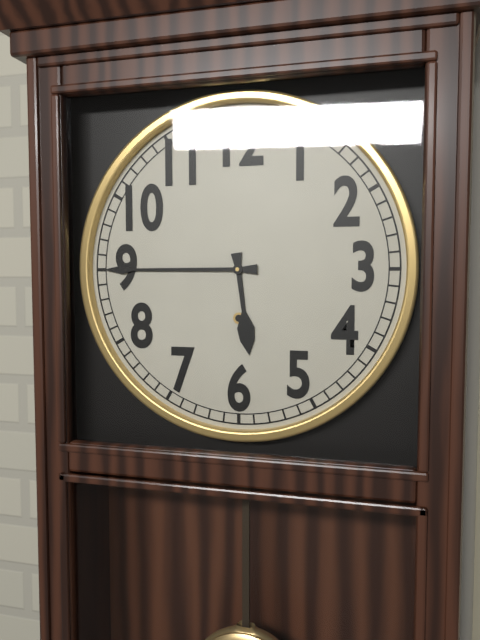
5:45
